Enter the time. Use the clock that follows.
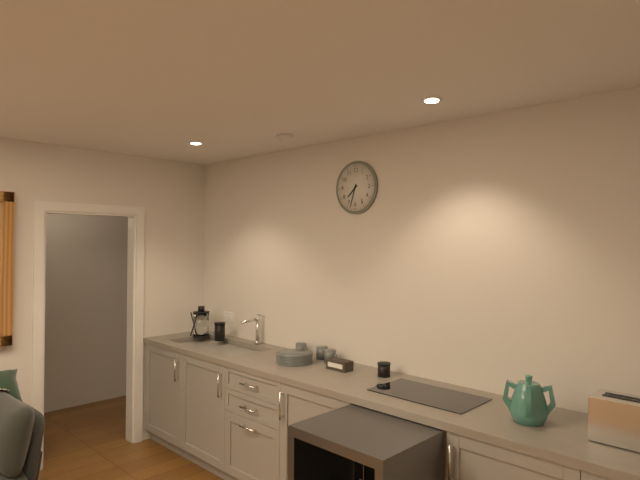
7:33
